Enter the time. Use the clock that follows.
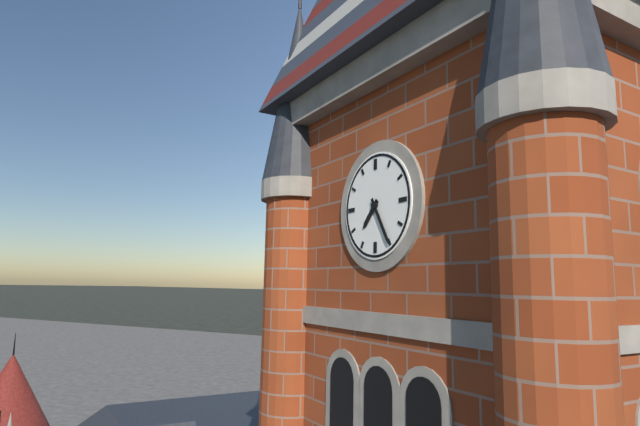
7:25
